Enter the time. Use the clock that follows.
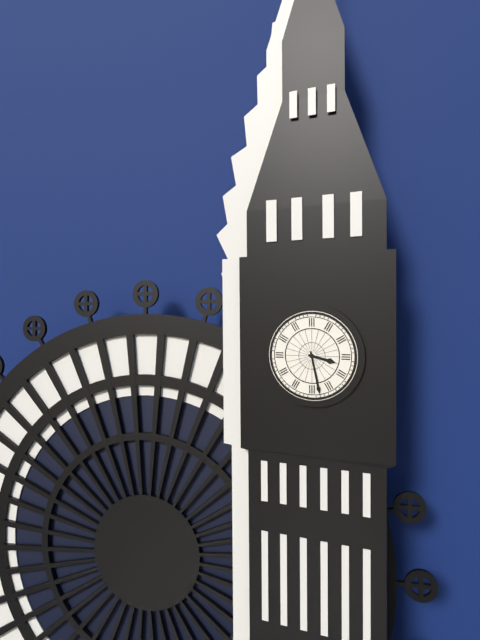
3:28
